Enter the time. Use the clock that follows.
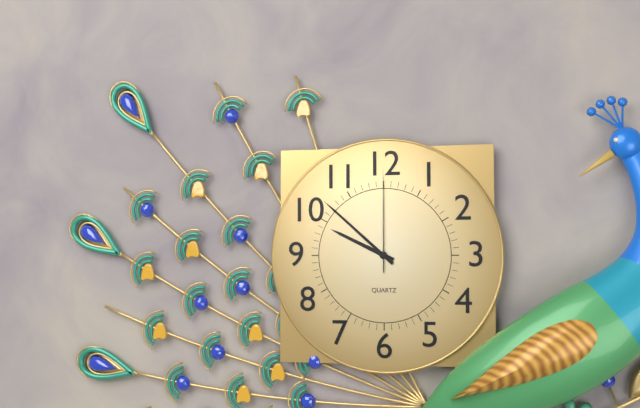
9:52:00
